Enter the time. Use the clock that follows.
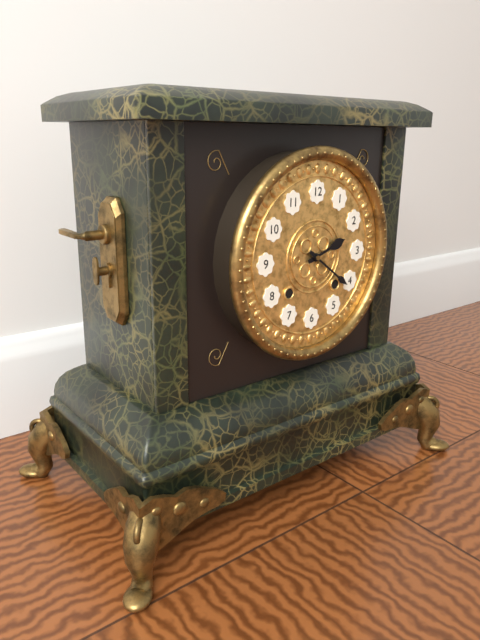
2:21
